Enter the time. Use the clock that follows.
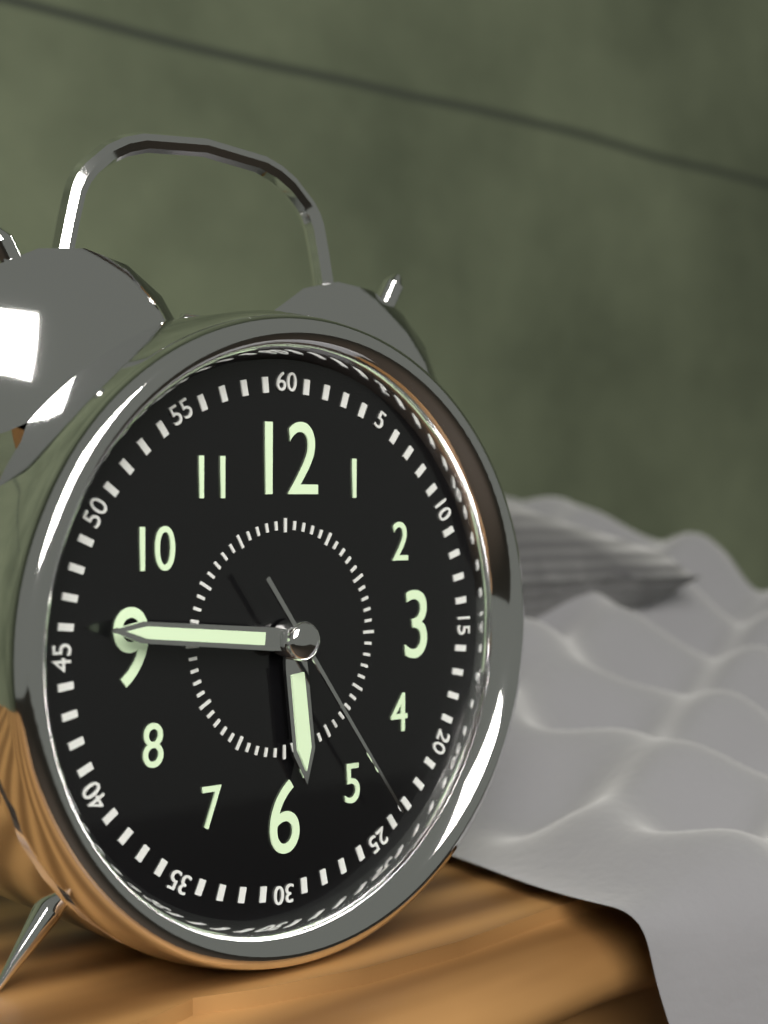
5:46:24
